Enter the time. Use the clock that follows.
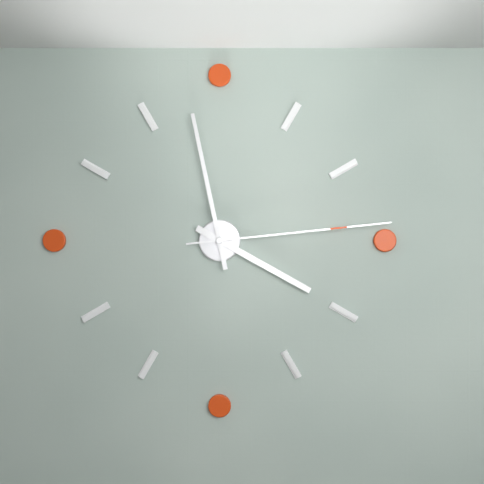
3:58:14
